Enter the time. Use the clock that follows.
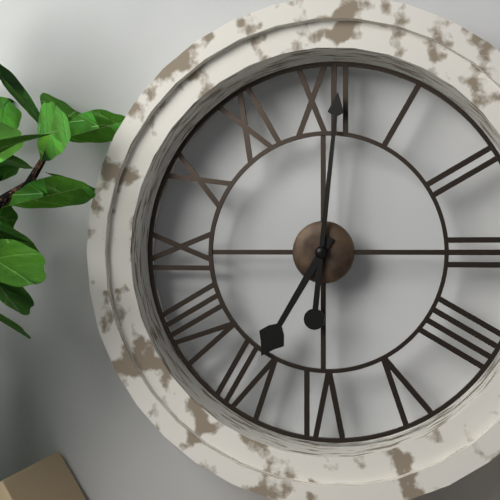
7:01
